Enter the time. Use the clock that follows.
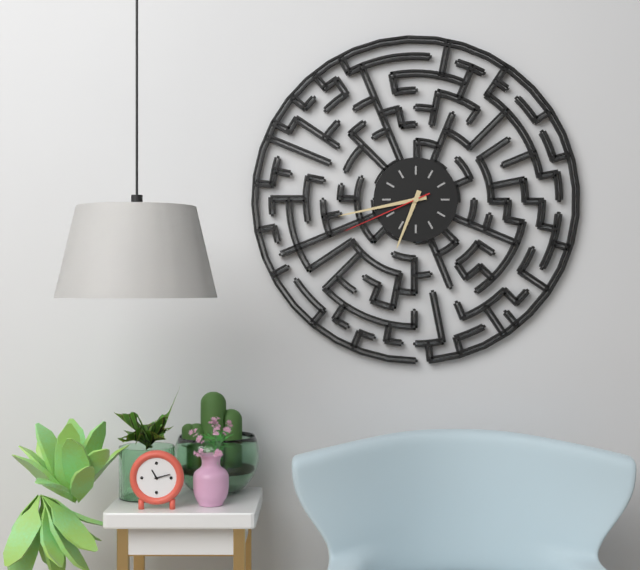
6:43:41
